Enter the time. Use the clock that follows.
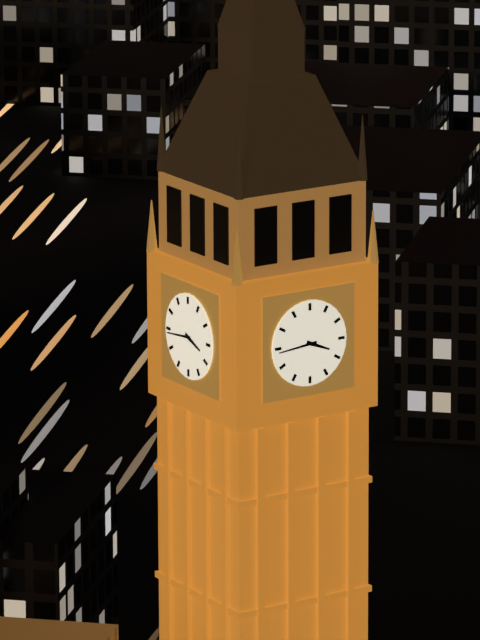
3:44
